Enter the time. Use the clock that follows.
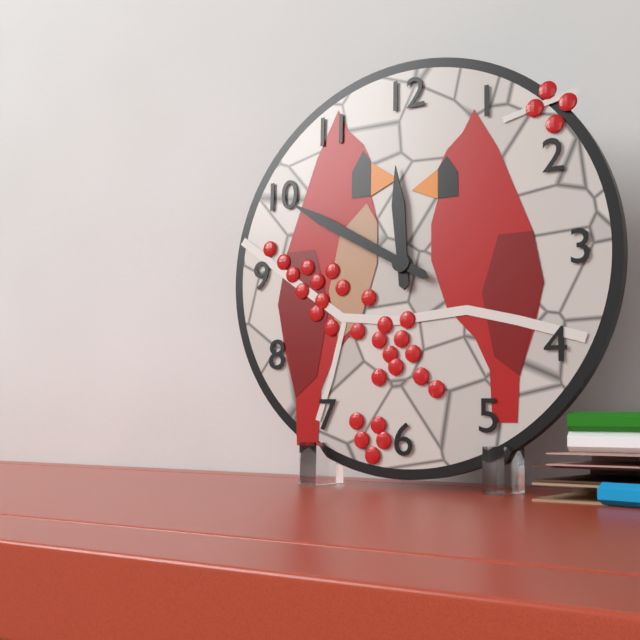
11:50
